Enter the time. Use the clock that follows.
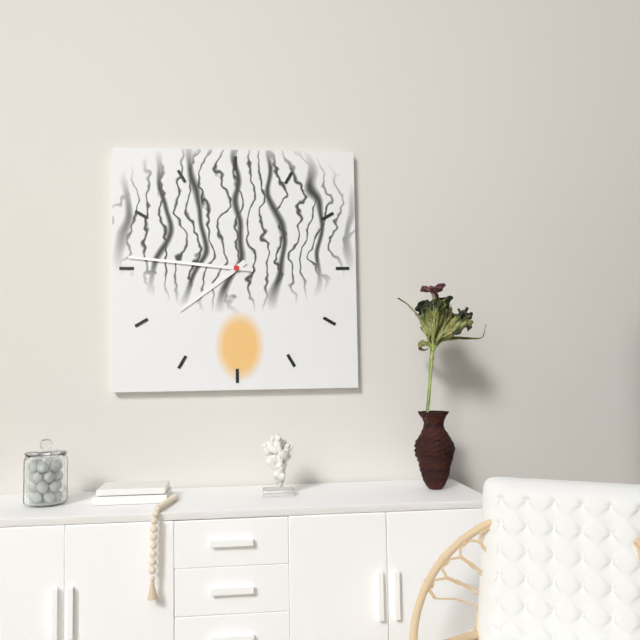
7:46
